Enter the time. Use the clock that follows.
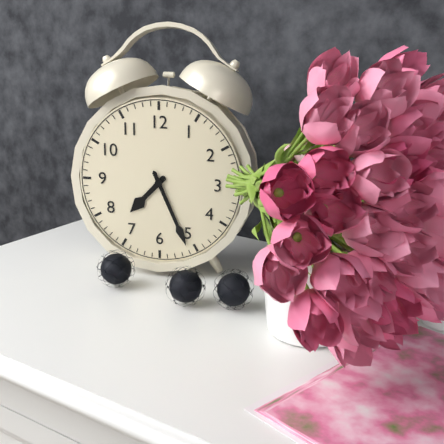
7:26
